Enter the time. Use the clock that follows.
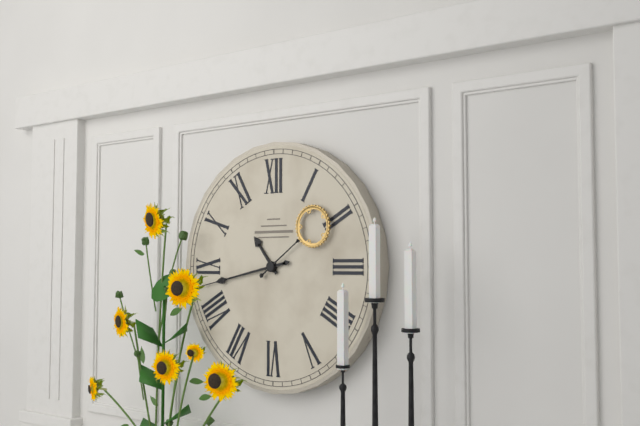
10:43:09
